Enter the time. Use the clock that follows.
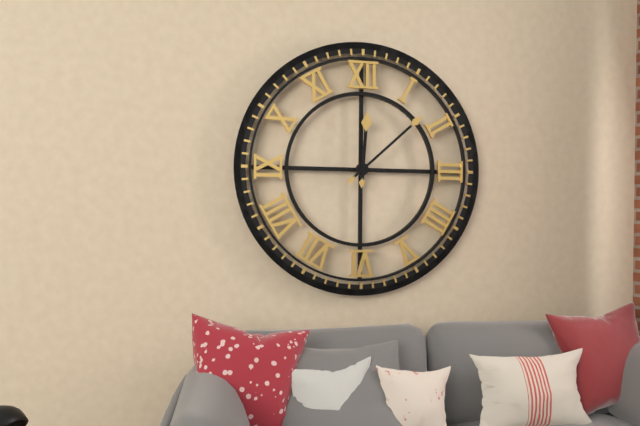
12:08
